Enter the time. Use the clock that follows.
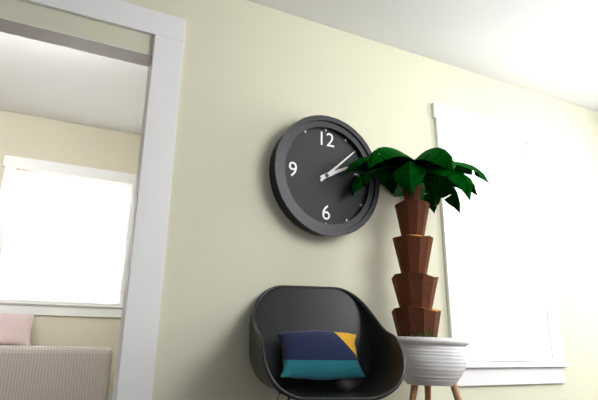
2:08
